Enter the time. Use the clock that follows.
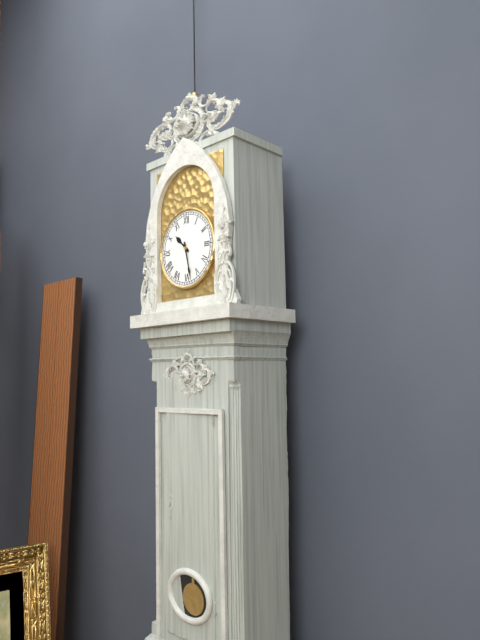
10:28
